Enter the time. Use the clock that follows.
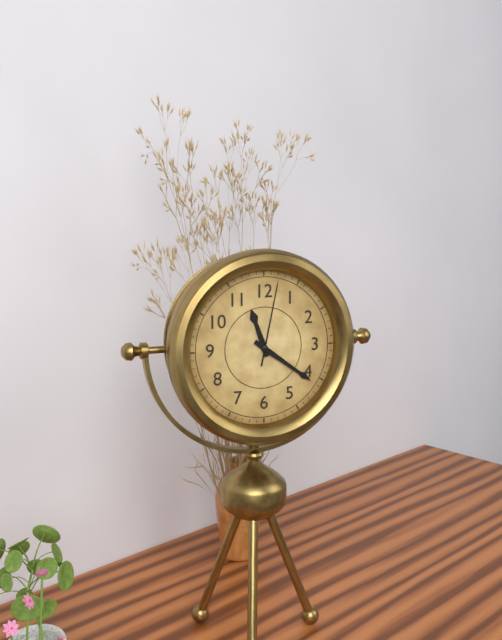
11:21:02
